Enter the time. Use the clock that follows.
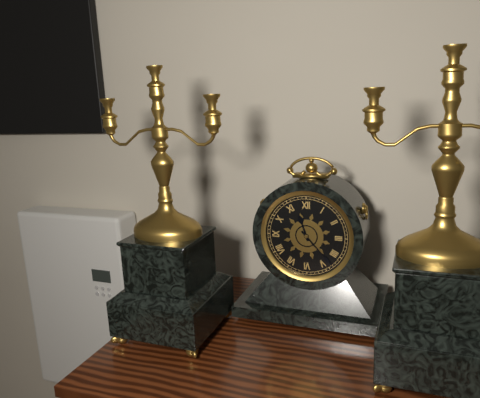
11:23
